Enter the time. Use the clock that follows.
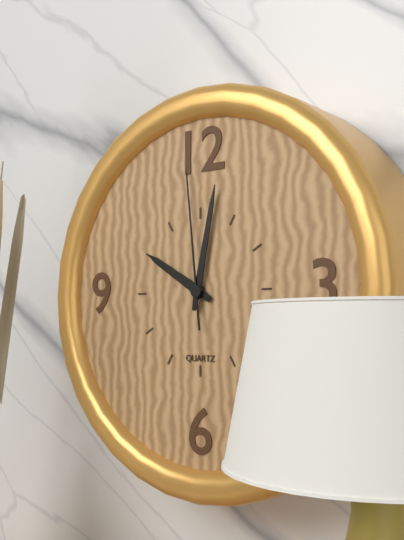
10:02:59
